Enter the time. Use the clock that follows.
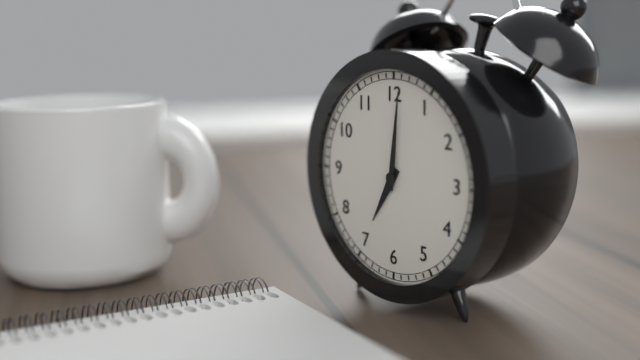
7:01
